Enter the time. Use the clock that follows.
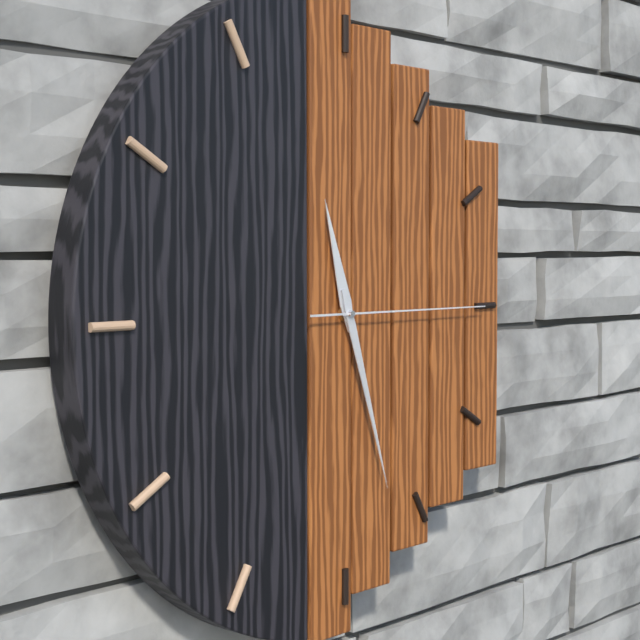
11:27:15
